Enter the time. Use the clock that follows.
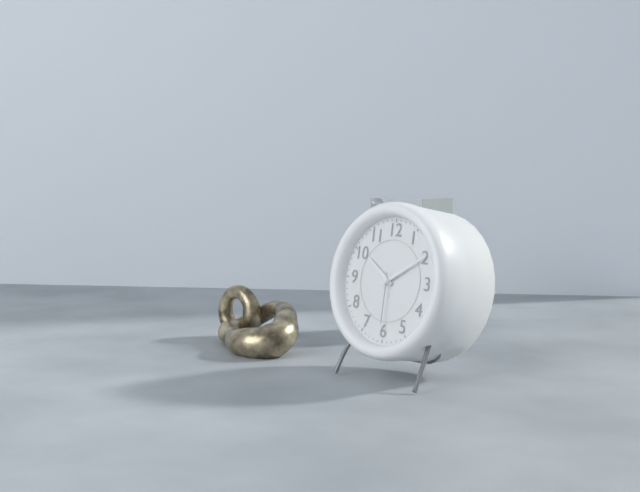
10:10:30
